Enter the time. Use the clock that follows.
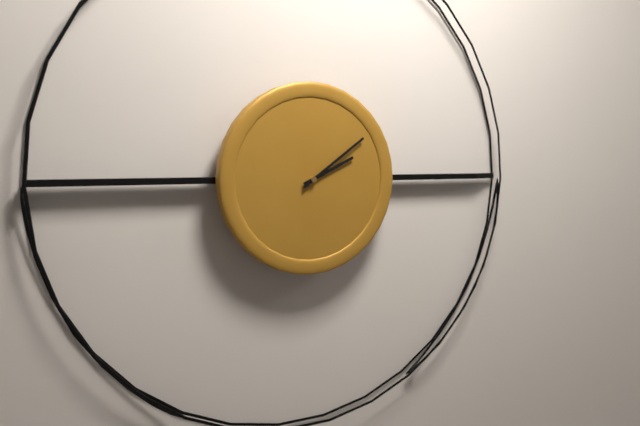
2:09
